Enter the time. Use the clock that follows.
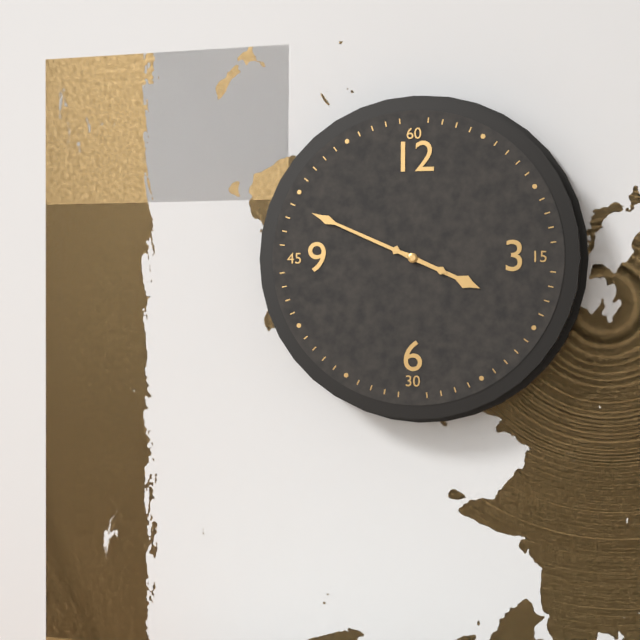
3:49
